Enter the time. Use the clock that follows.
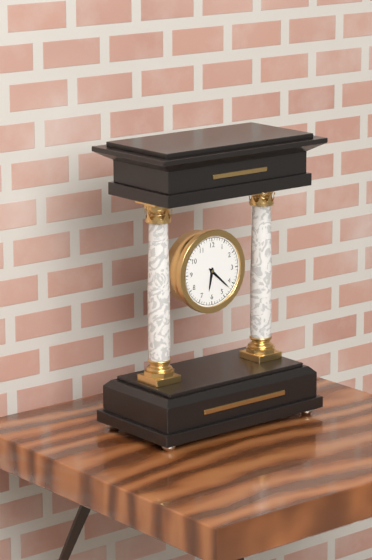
6:22
